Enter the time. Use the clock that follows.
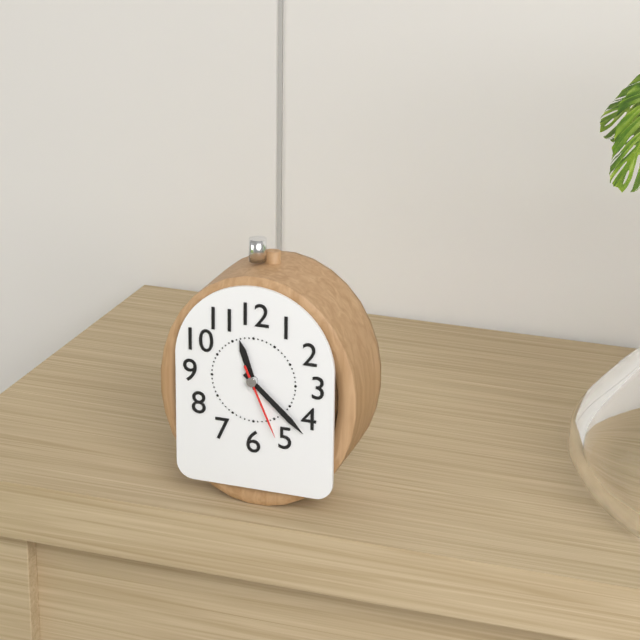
11:22:26
